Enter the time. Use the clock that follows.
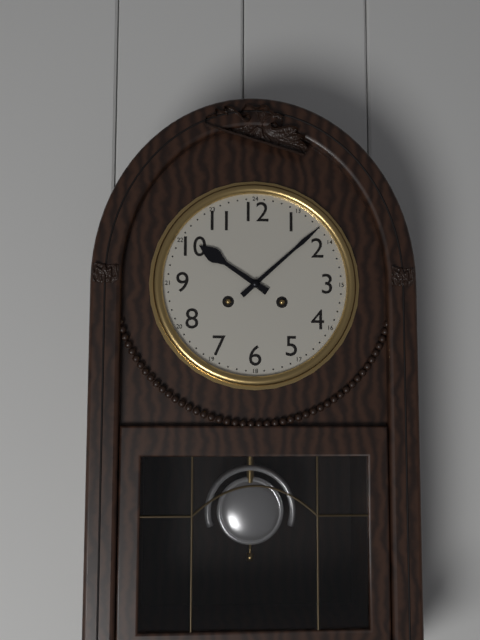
10:08
